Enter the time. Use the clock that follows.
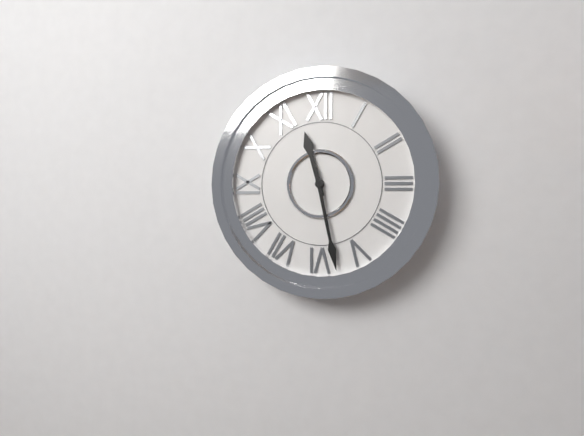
11:28
